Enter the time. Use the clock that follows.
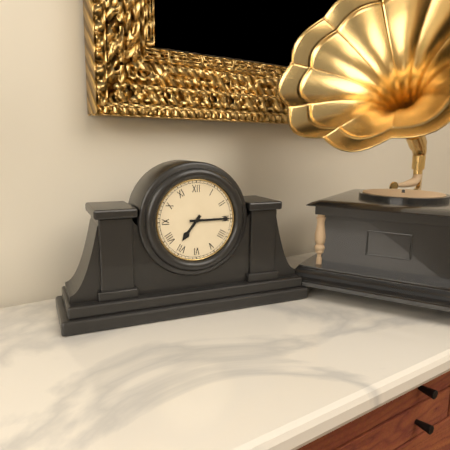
7:15
